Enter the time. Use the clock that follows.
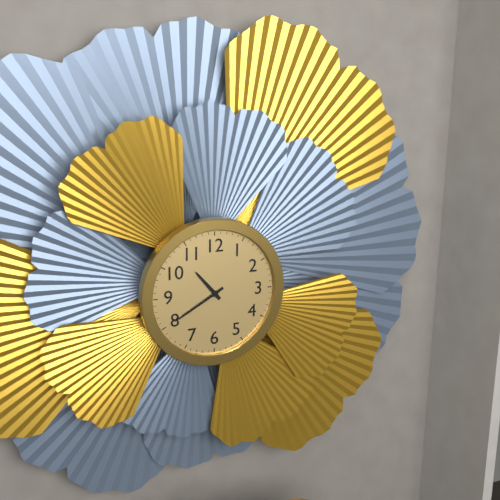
10:40
